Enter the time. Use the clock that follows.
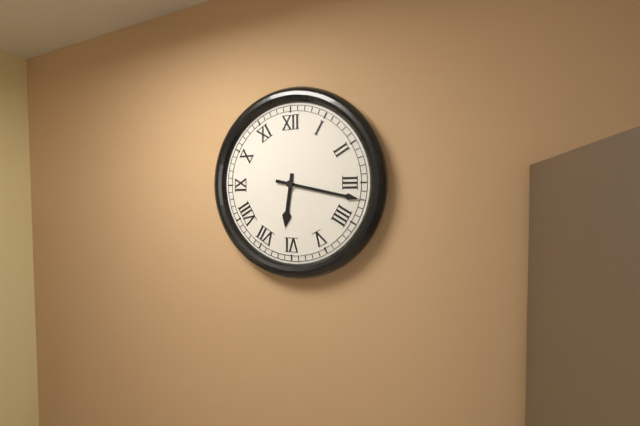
6:17
